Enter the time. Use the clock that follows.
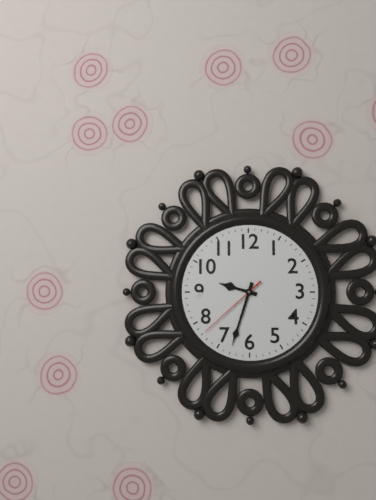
9:33:38
